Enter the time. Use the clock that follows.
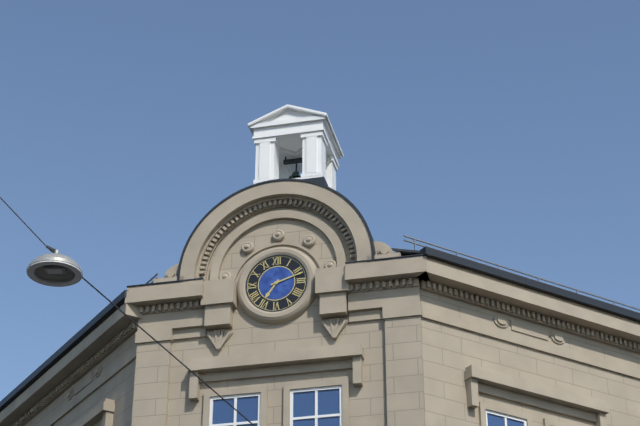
7:12
